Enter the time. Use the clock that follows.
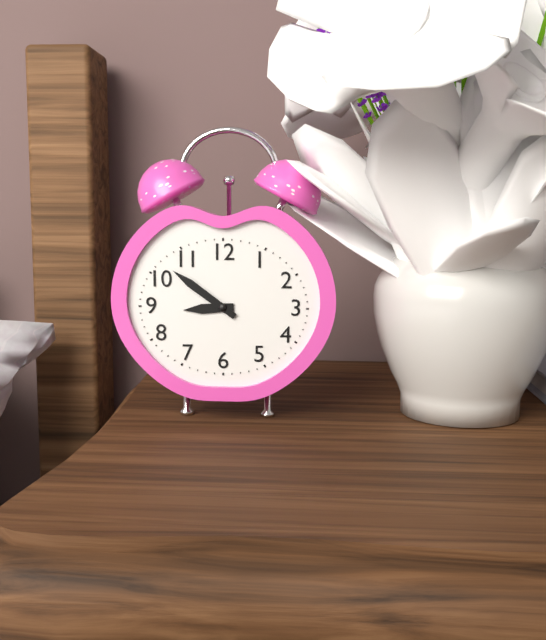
8:51
